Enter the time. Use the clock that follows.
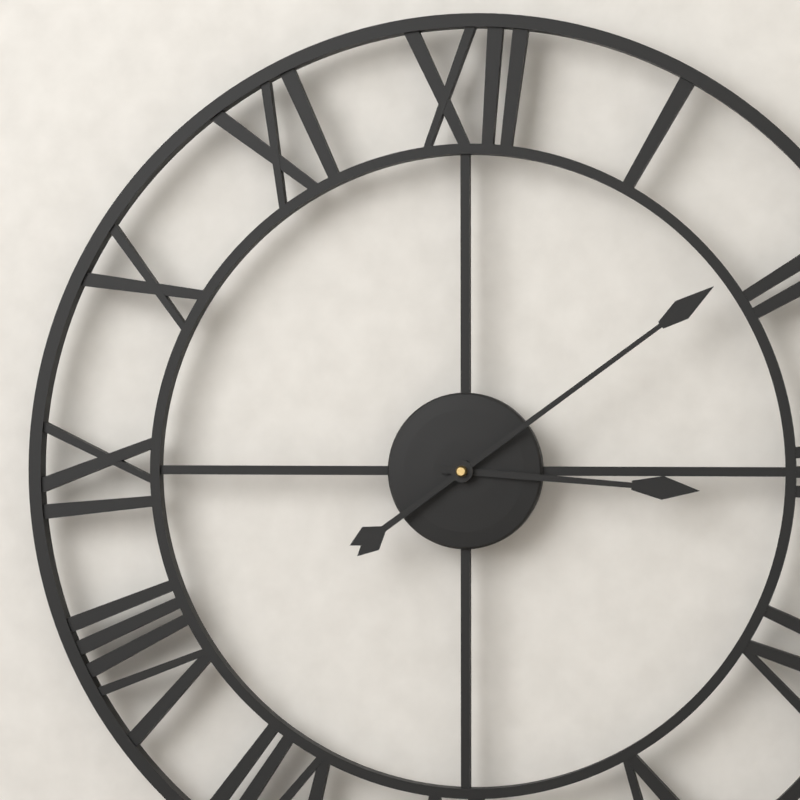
3:09
